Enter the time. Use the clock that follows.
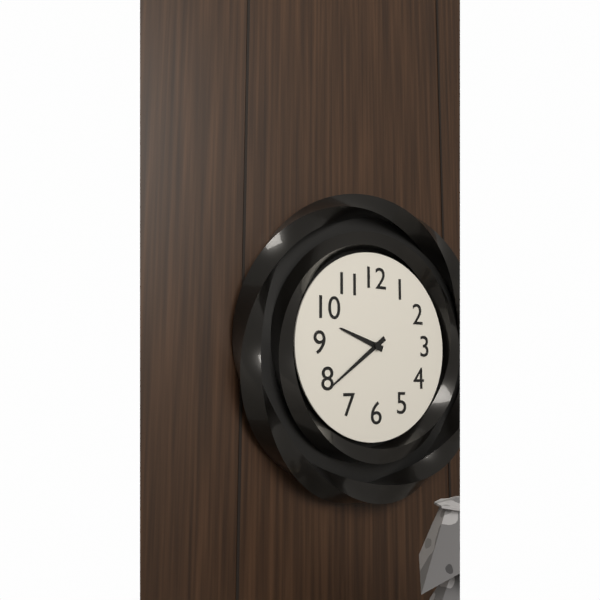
9:39
